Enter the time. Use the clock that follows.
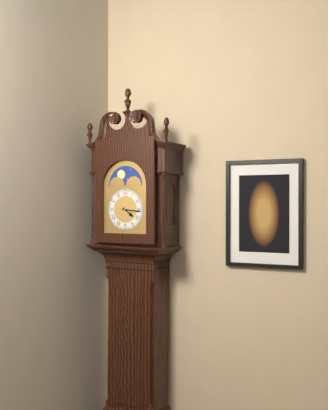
4:16
